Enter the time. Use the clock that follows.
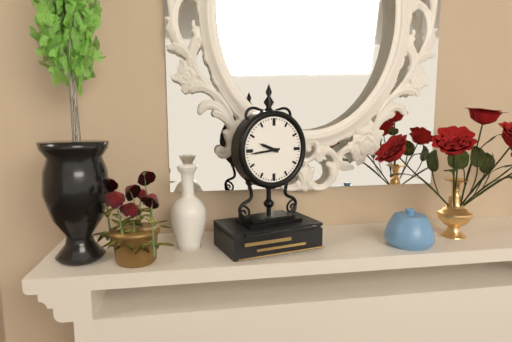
9:44
